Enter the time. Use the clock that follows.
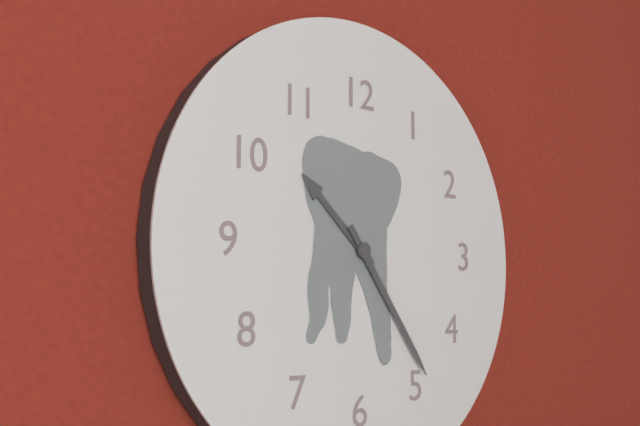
10:24
